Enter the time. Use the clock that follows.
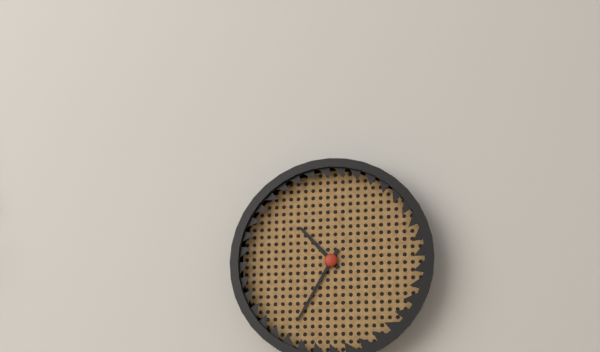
10:35
